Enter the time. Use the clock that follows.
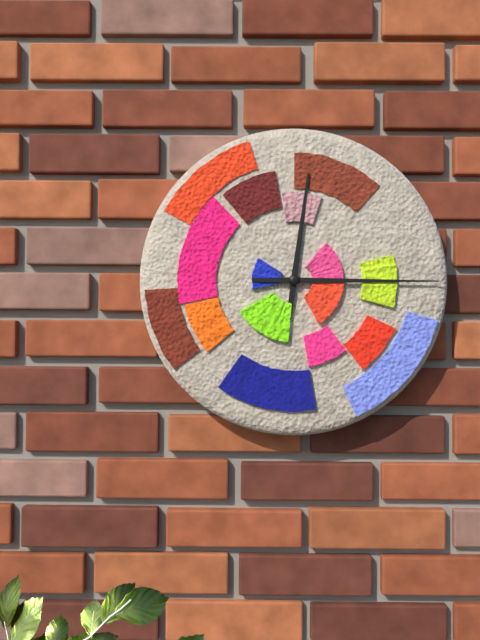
12:15
